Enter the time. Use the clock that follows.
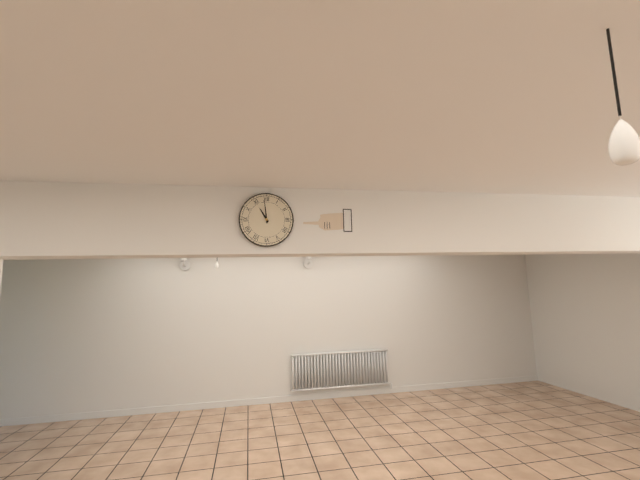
10:59
